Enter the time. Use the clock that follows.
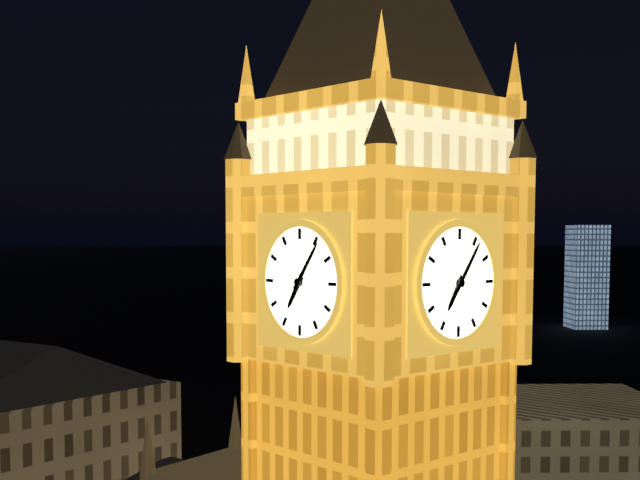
7:06
